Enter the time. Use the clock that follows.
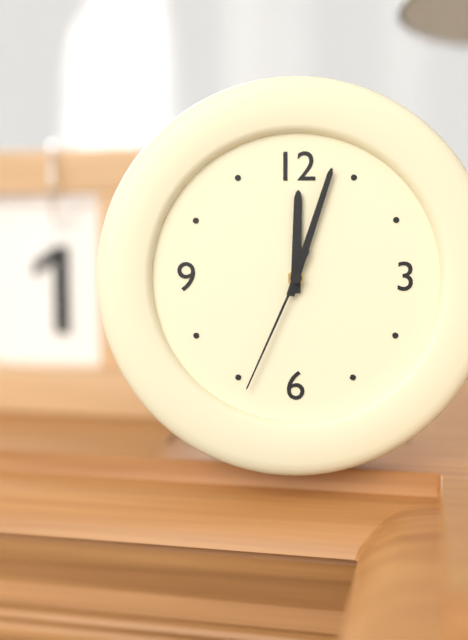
12:03:34
